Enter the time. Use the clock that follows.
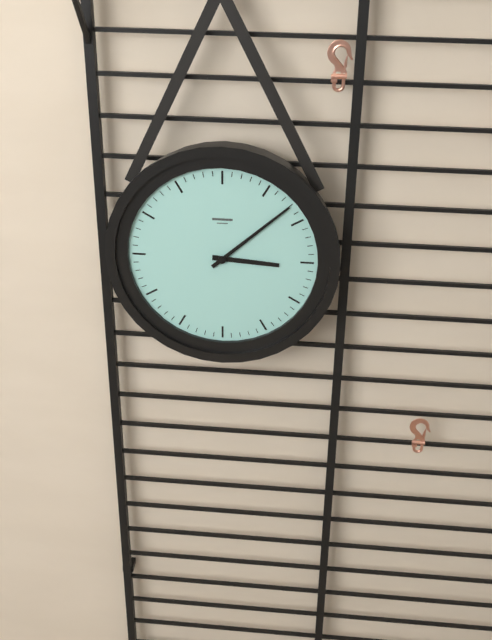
3:08
